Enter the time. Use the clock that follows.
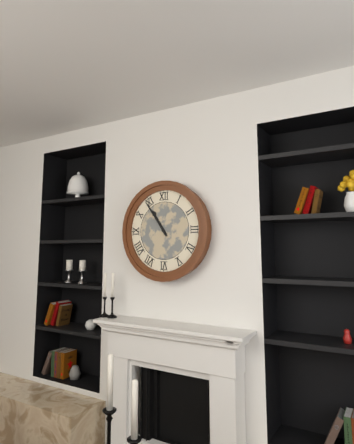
10:54
